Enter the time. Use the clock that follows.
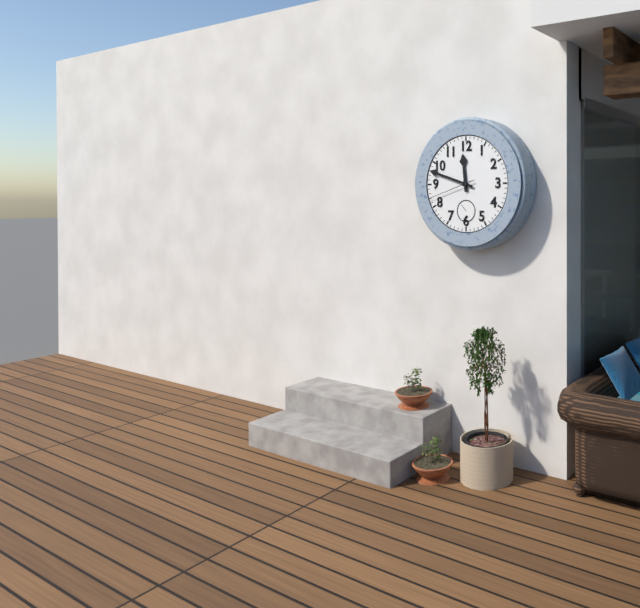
11:48
